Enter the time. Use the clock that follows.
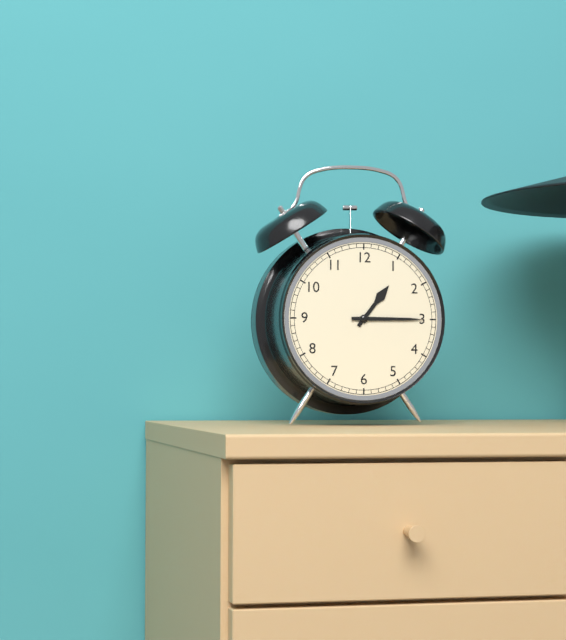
1:15
